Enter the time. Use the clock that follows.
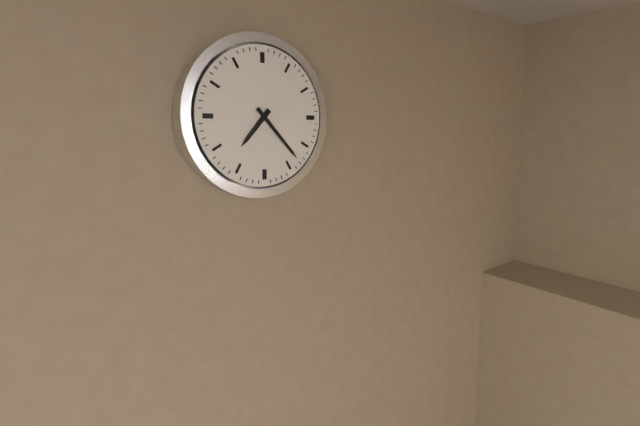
7:23
